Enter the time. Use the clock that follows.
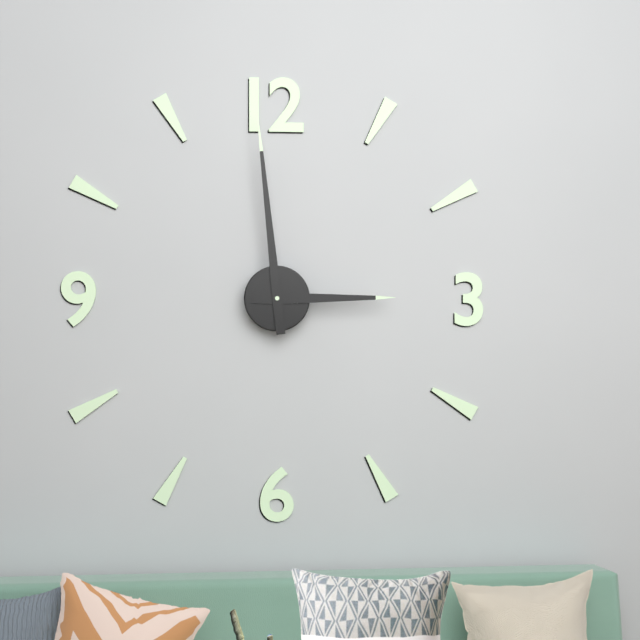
2:59
